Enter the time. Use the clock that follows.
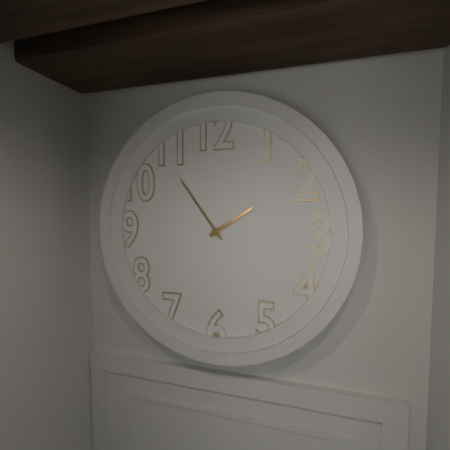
1:54
